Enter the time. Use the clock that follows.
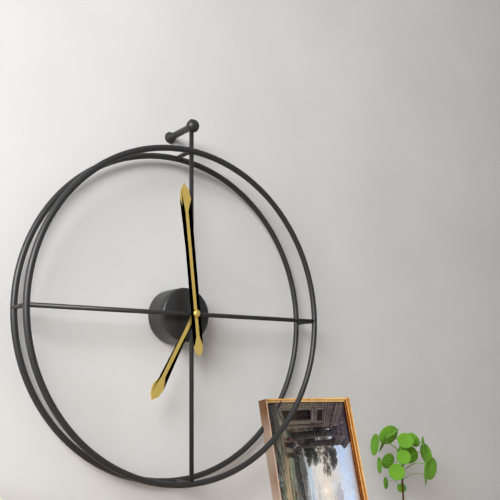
6:59
